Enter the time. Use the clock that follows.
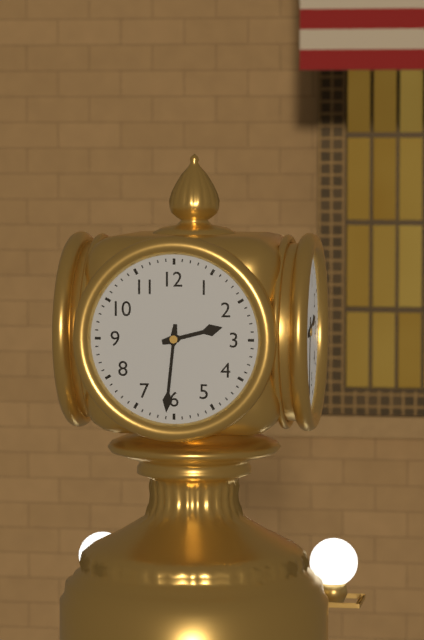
2:31
